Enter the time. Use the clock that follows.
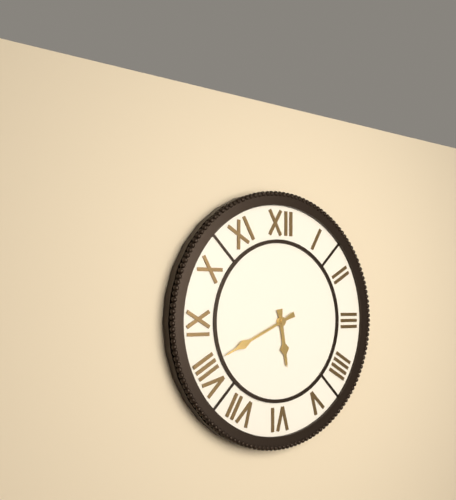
5:41
